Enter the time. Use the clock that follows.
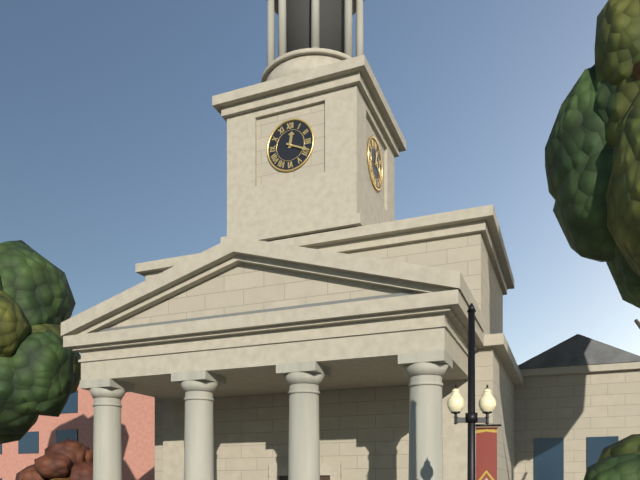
12:19
